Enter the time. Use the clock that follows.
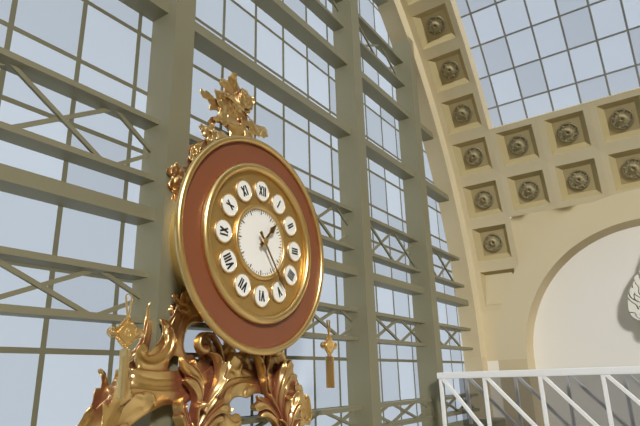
1:24
